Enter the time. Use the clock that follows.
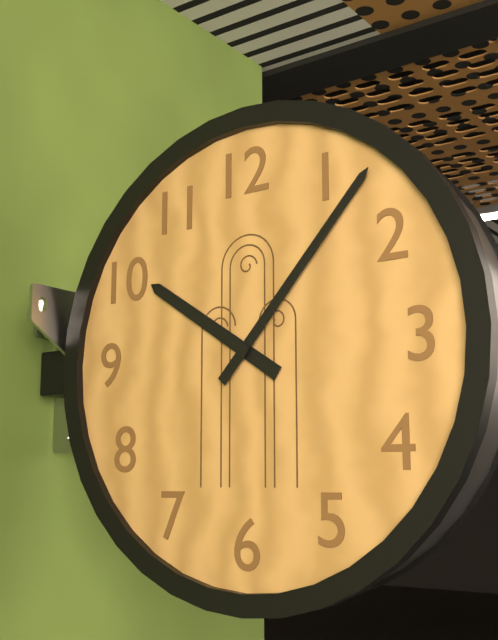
10:07
